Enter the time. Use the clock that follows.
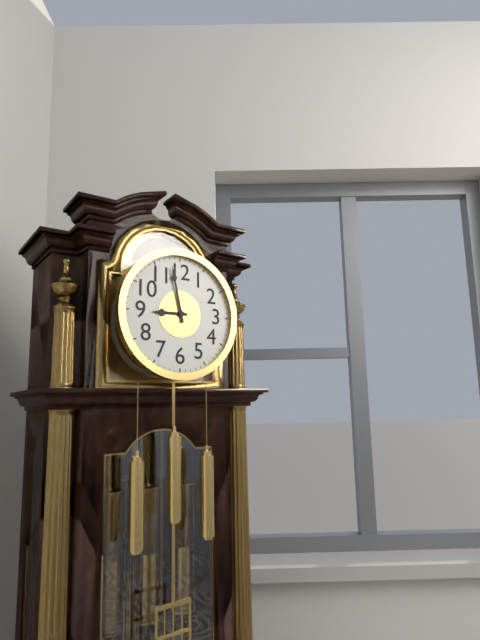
8:58
